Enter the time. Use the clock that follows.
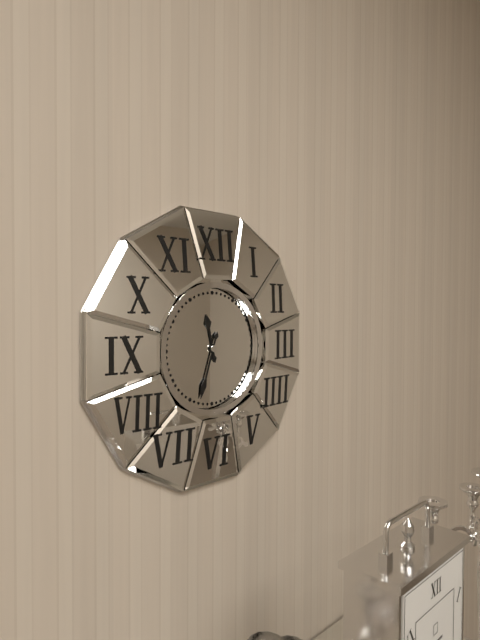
11:33
